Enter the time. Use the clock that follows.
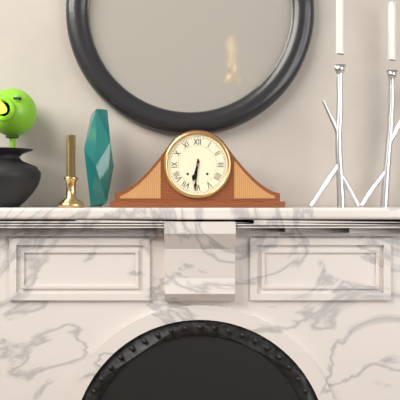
6:31
